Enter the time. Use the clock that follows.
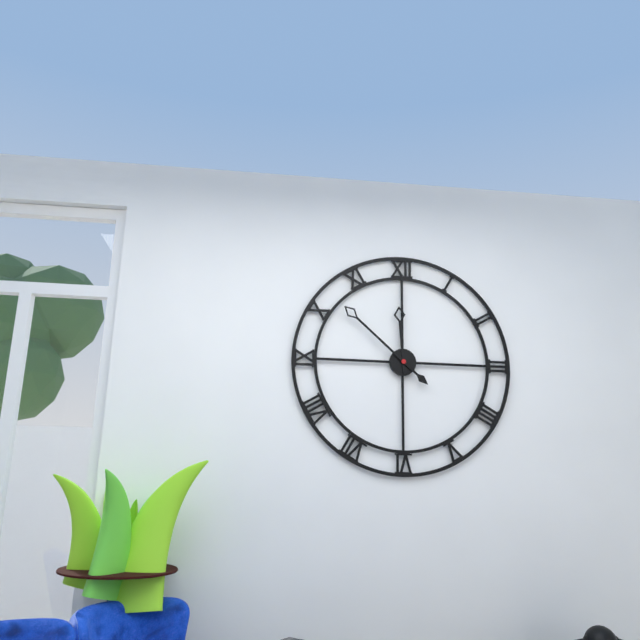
11:52
